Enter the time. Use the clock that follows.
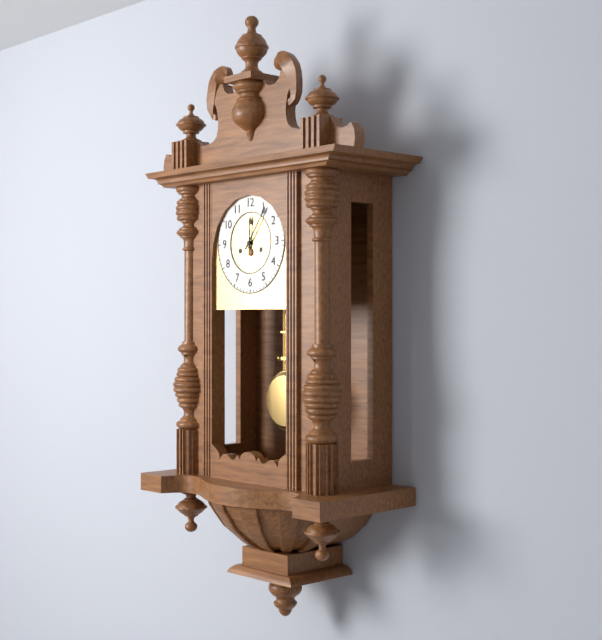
12:06
